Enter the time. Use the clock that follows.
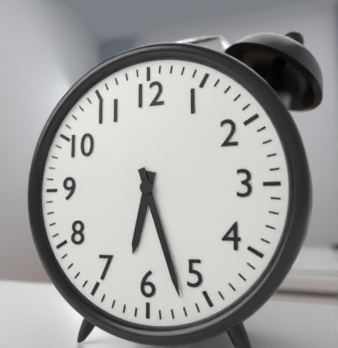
6:27
